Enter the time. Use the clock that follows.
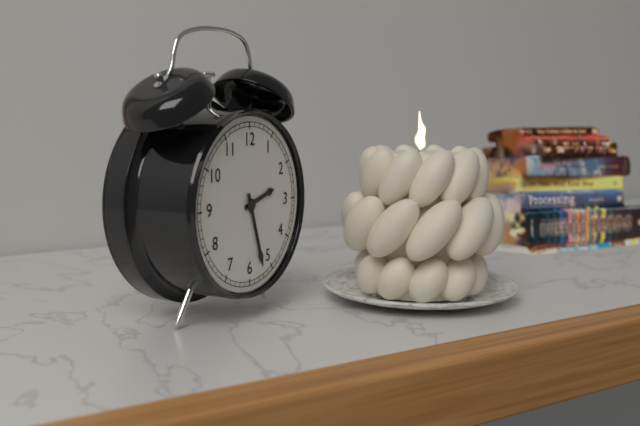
2:27
